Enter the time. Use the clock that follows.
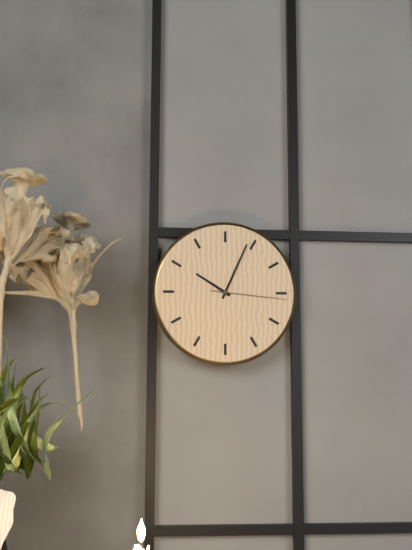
10:04:16
